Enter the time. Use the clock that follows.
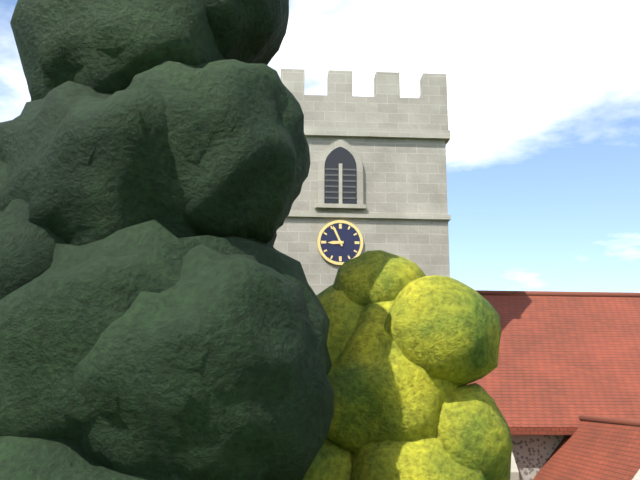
8:56
